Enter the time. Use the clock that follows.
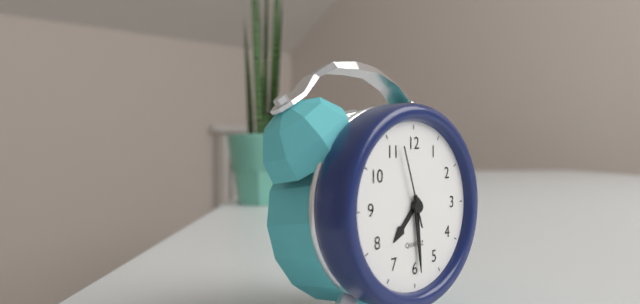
7:29:57
